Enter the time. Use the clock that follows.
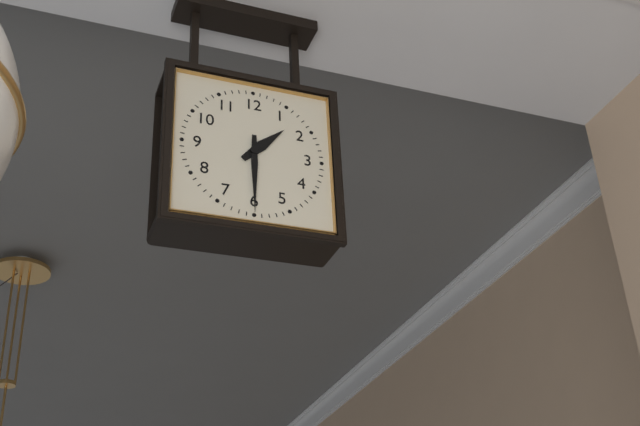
1:30
